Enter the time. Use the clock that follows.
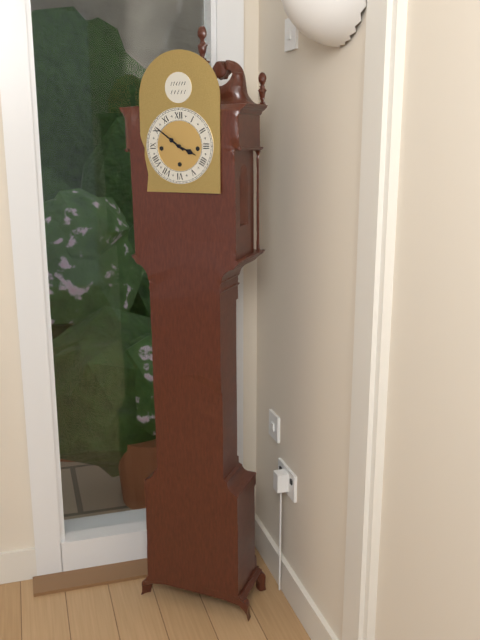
3:51
